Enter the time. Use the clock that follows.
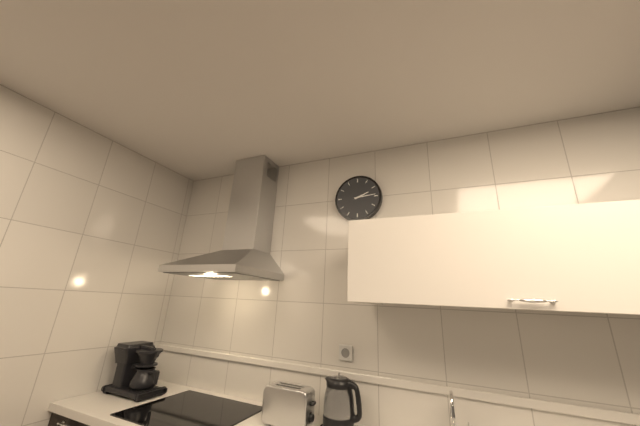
2:14
